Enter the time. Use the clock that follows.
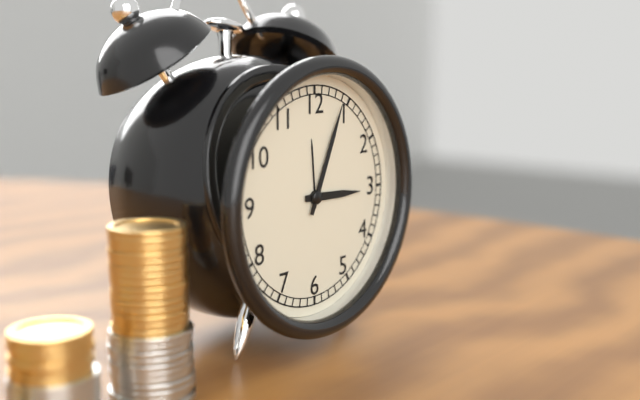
3:04
